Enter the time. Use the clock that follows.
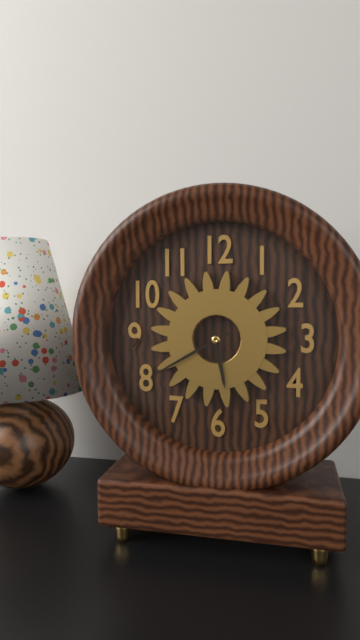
5:40
